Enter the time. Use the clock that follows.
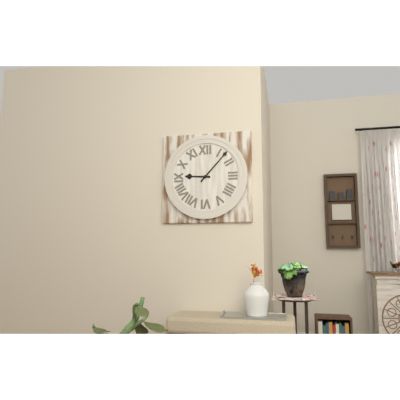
9:07
